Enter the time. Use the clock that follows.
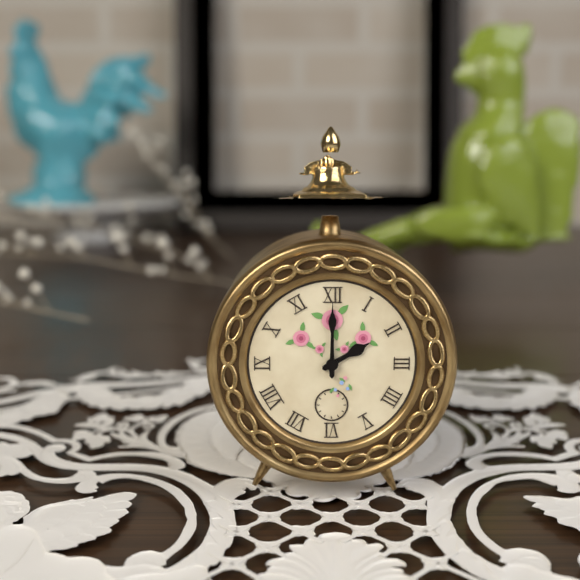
2:00
